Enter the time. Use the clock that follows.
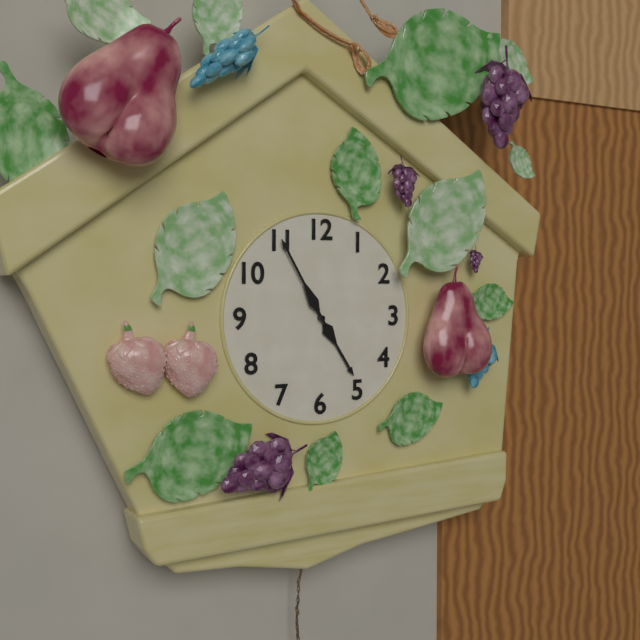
4:55
